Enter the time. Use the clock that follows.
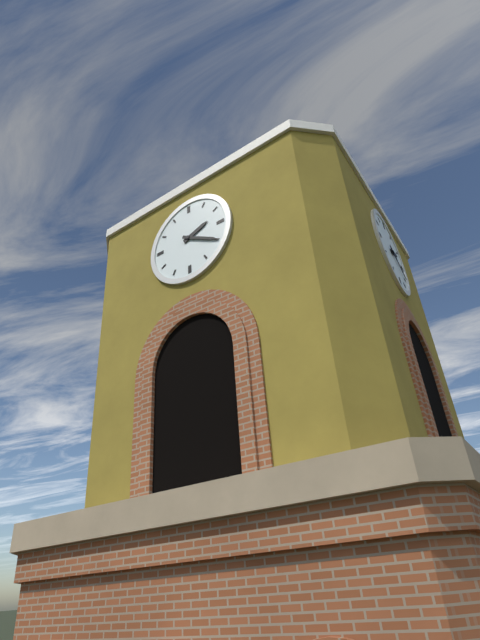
2:20
